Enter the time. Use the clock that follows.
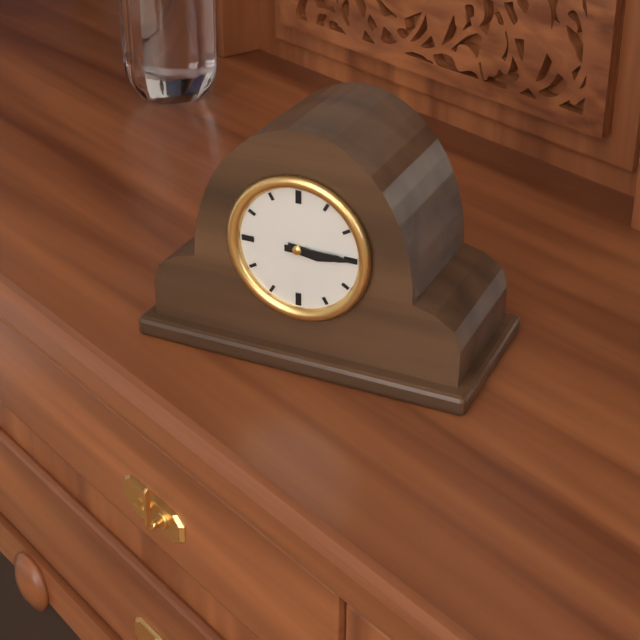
3:15
